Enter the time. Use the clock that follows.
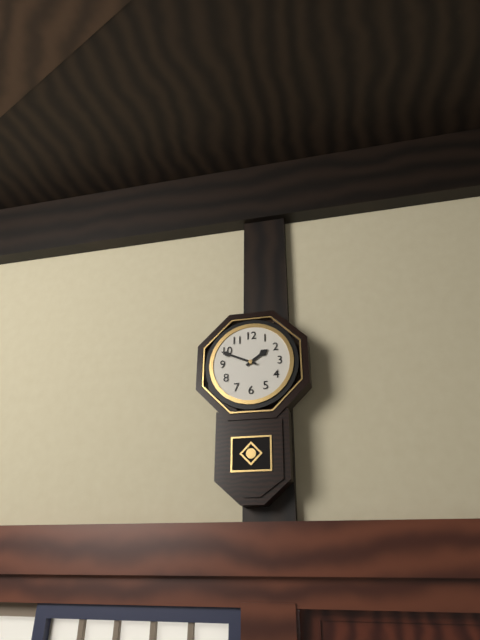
1:49
